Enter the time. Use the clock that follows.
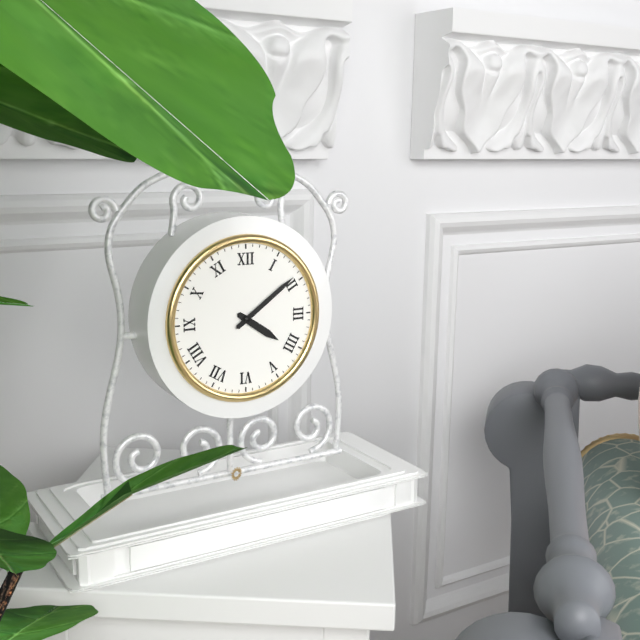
4:09
